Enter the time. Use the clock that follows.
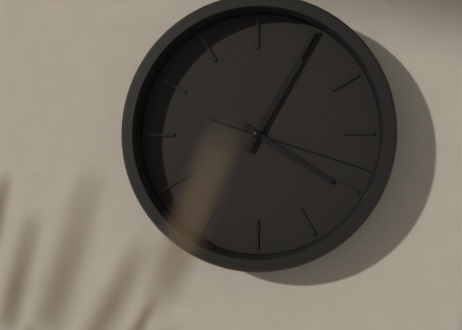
4:05:18
